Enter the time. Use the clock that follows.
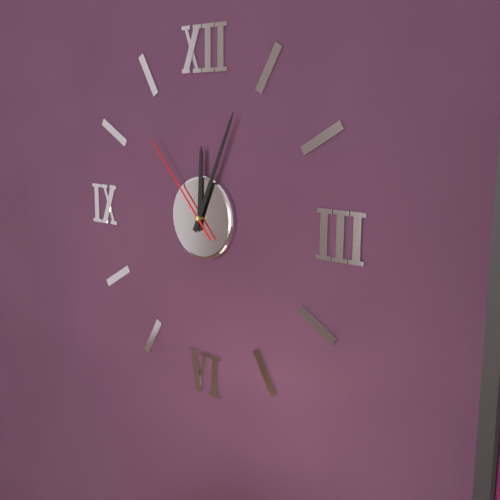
12:04:53
